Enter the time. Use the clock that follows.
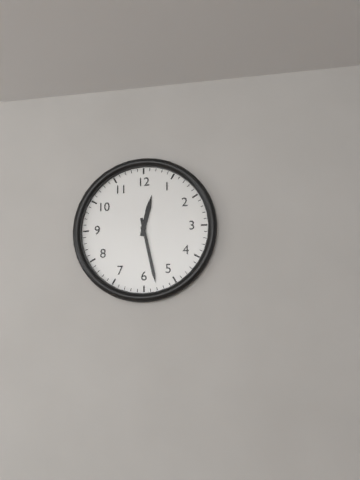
12:28
